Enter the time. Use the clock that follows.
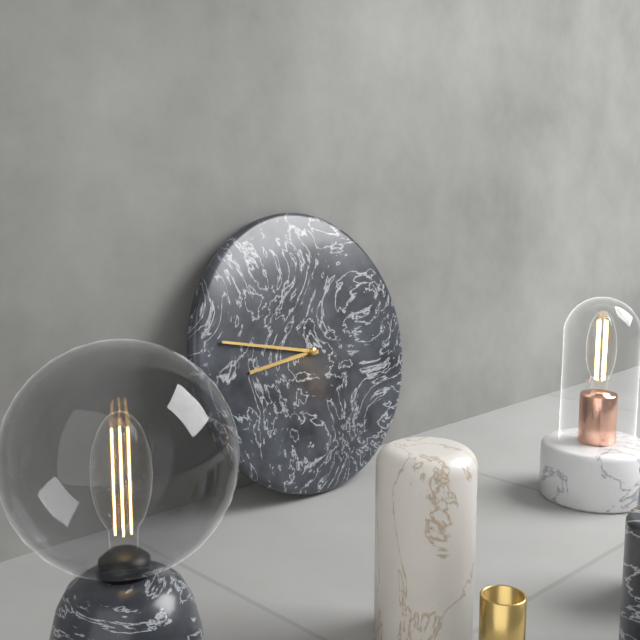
8:47
